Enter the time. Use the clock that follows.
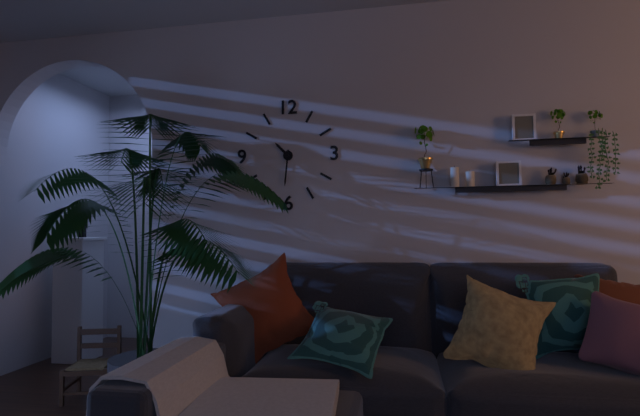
10:31
